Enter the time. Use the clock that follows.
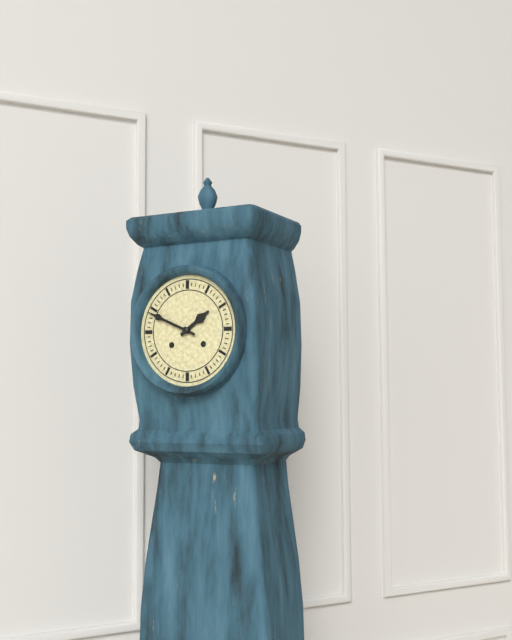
1:49
